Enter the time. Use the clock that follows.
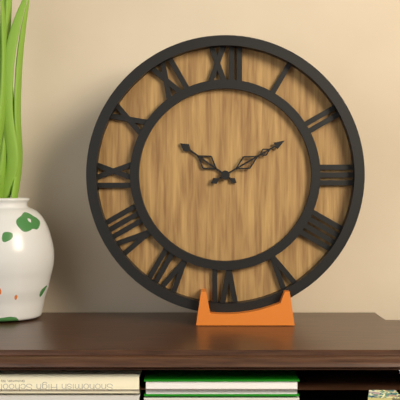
10:10
